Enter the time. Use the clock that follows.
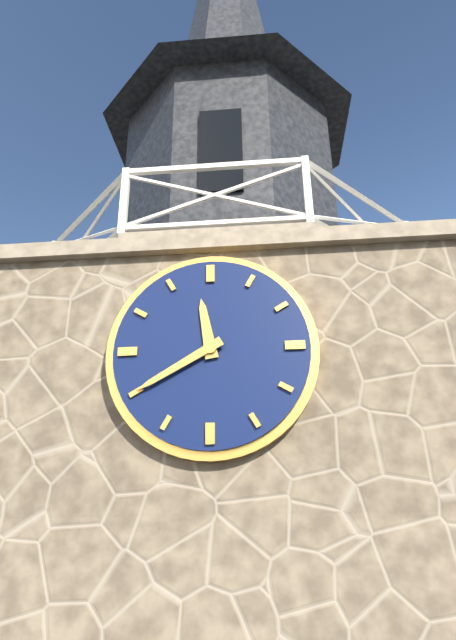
11:40
